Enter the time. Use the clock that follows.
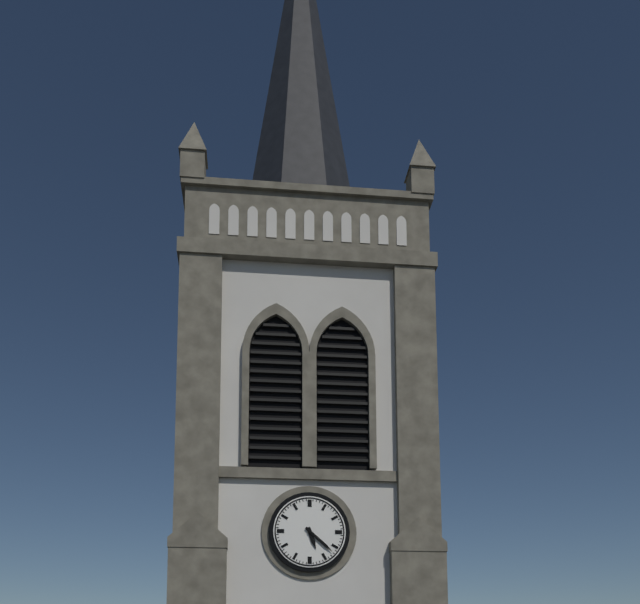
5:22
